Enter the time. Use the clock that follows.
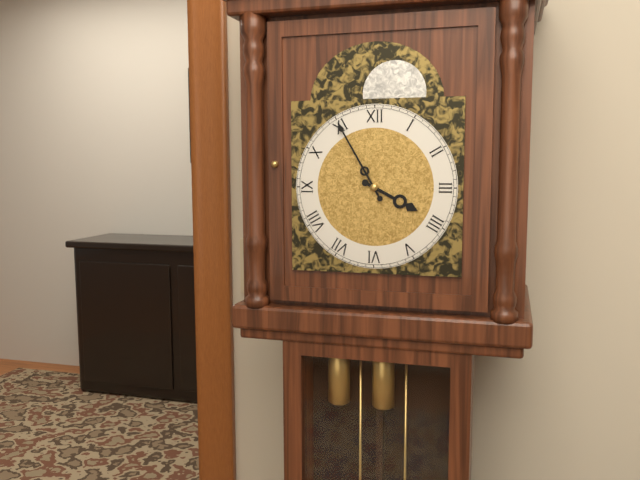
3:55
